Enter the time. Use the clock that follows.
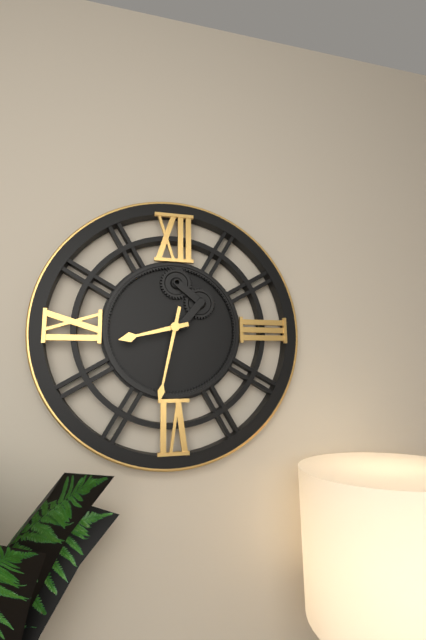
8:32
